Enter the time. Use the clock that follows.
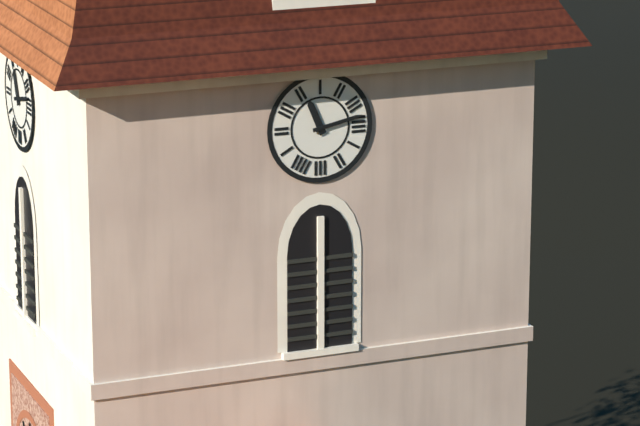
11:13
